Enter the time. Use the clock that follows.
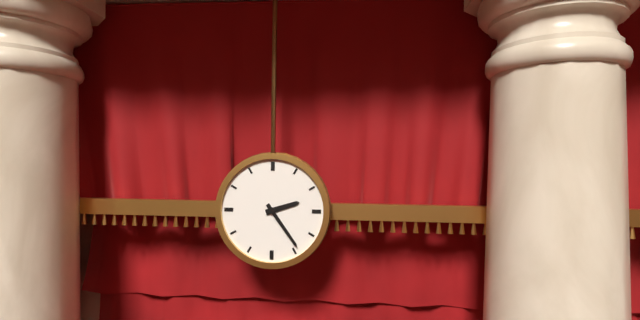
2:24
